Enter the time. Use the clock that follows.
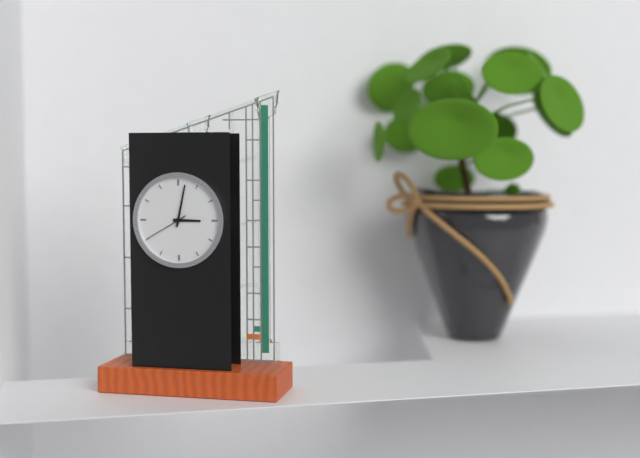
3:02
